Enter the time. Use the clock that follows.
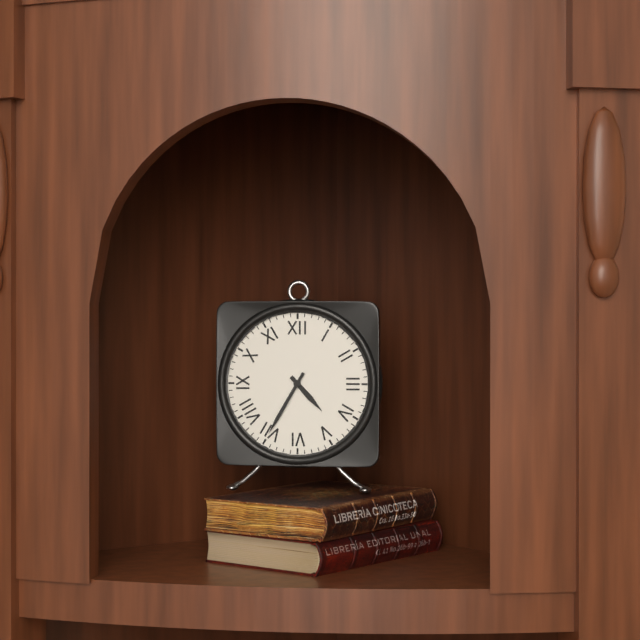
4:35
